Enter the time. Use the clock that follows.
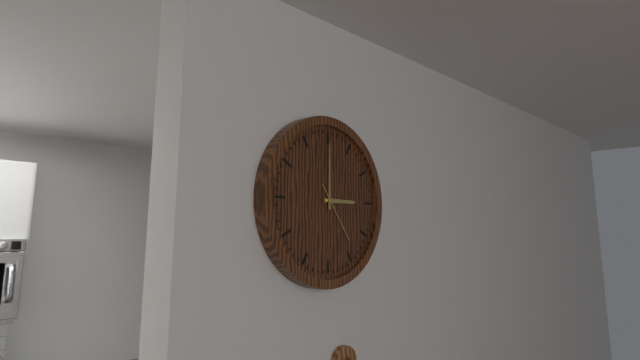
3:00:24
